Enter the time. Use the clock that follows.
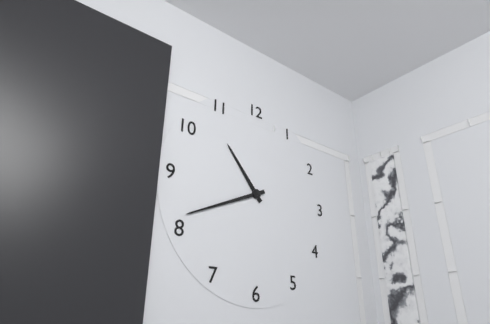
10:41
